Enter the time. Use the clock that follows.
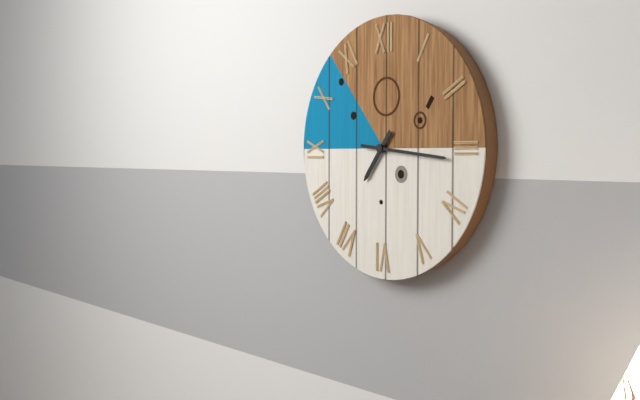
7:16
